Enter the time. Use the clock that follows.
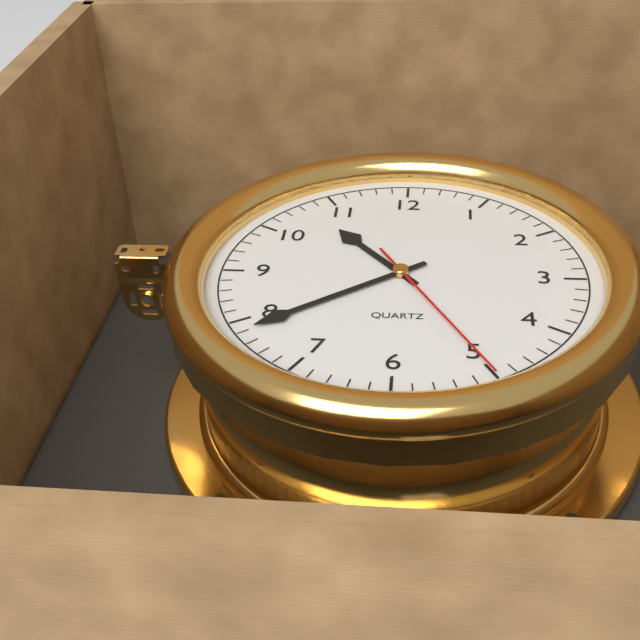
10:39:25
